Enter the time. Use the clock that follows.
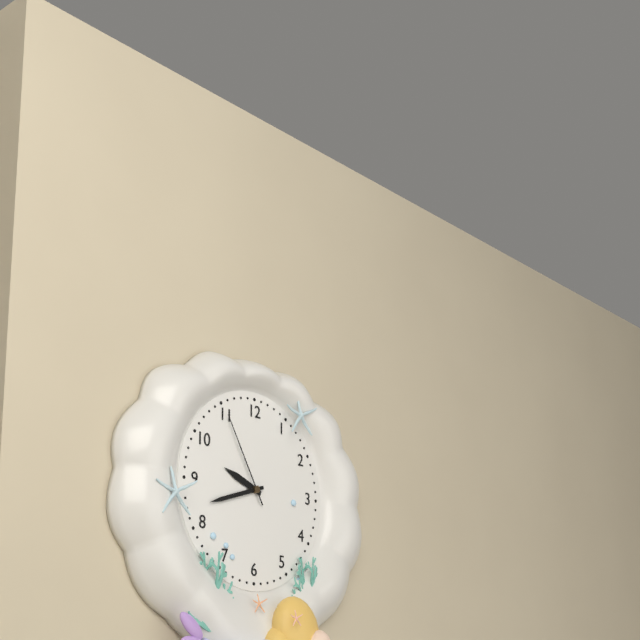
9:42:55
